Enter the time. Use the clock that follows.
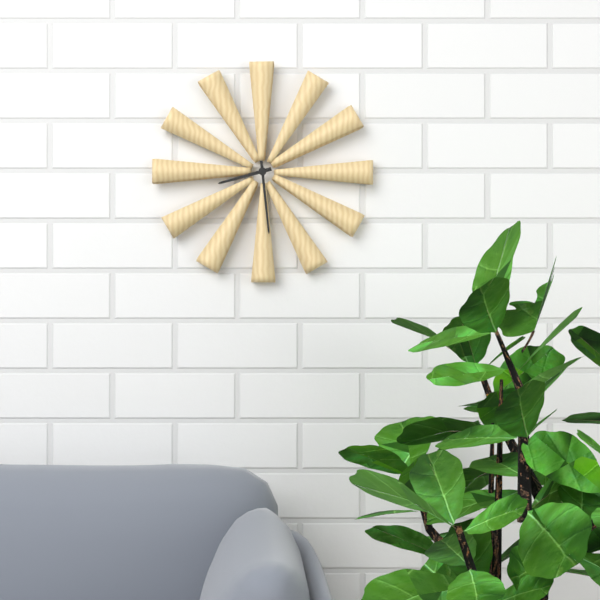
8:29
